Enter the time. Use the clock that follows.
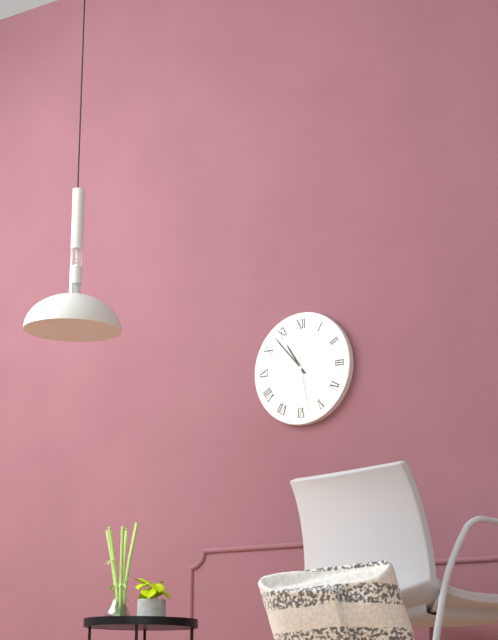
10:53:28
